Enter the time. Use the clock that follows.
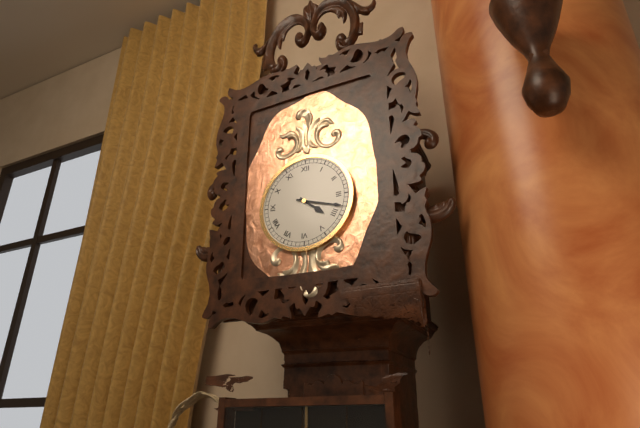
4:18
